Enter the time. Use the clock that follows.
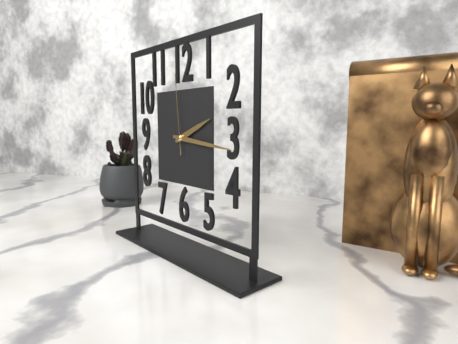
2:16:59
